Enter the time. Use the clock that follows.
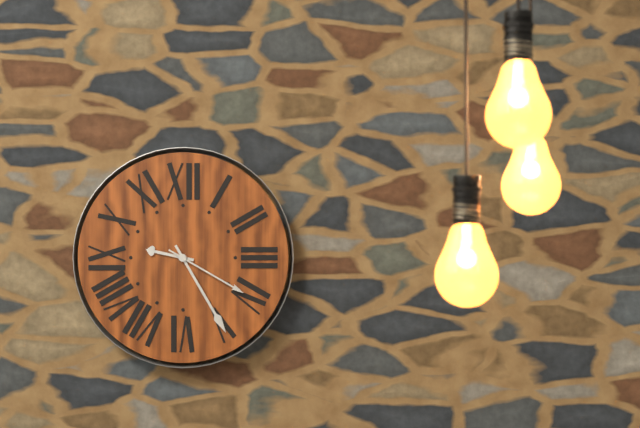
9:25:20
